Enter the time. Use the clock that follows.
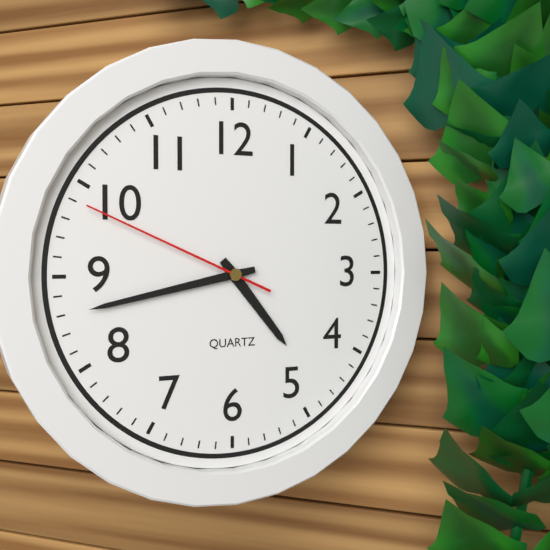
4:43:49
